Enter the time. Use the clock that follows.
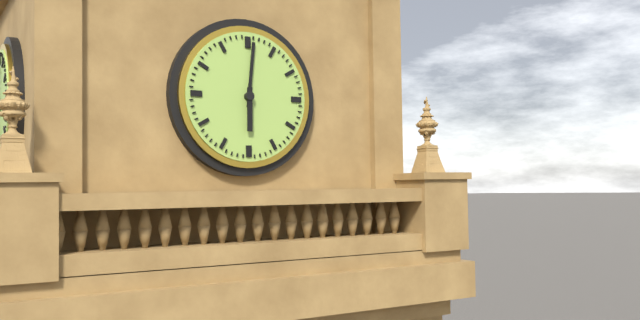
6:01
